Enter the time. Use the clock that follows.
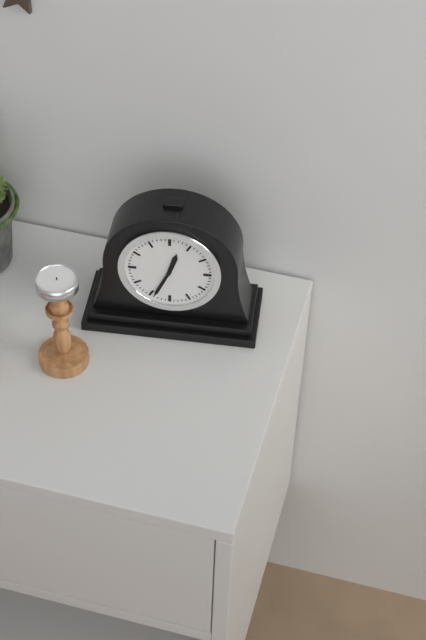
12:34
